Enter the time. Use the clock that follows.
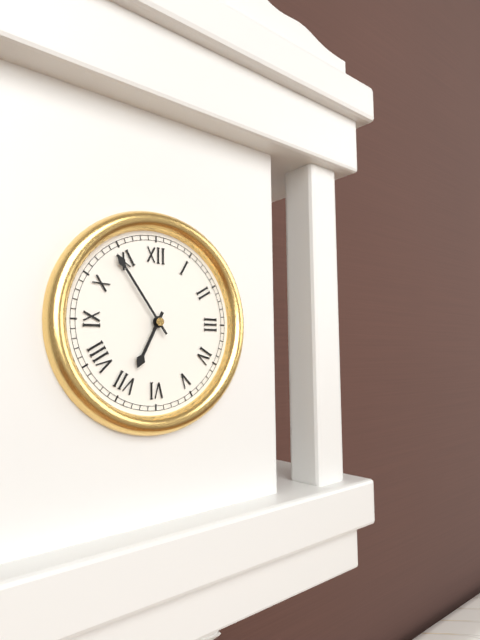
6:54
